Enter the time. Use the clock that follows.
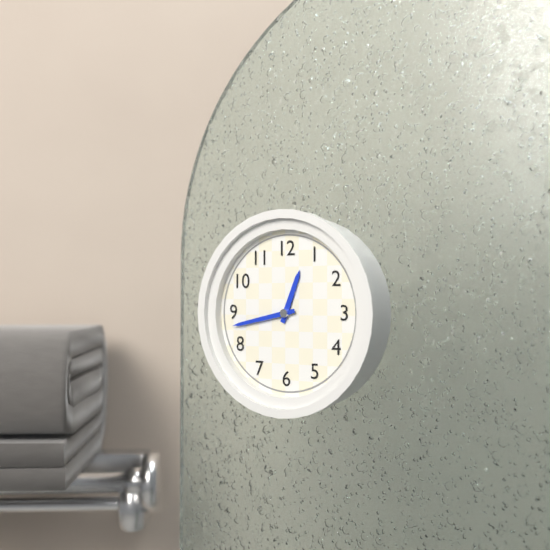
12:43
